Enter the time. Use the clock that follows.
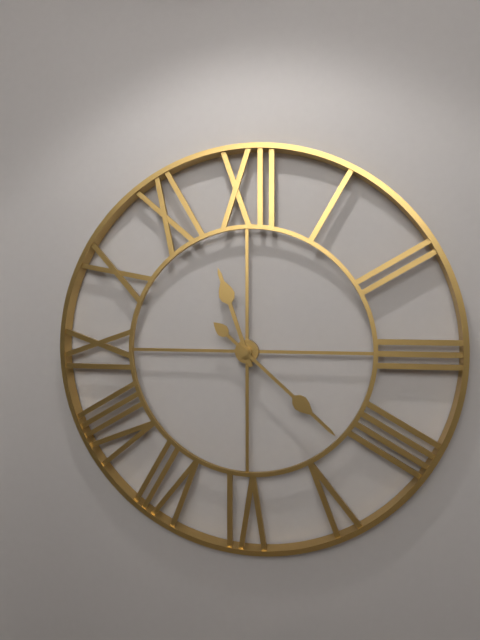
11:22
